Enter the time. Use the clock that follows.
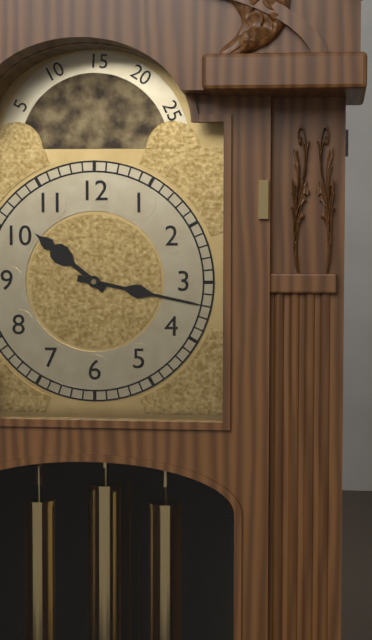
10:17
